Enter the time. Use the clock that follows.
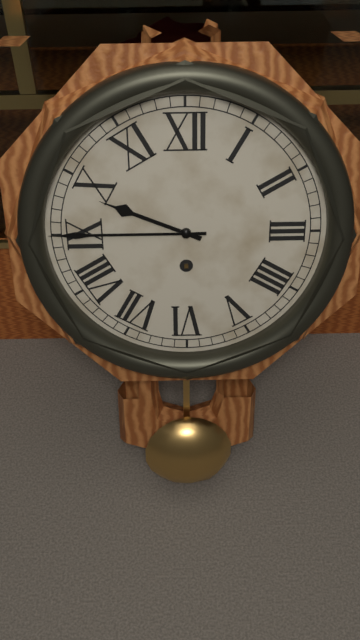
9:45
